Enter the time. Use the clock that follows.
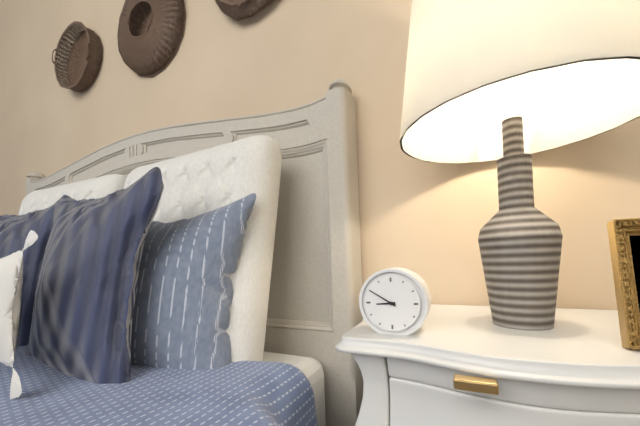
8:50
